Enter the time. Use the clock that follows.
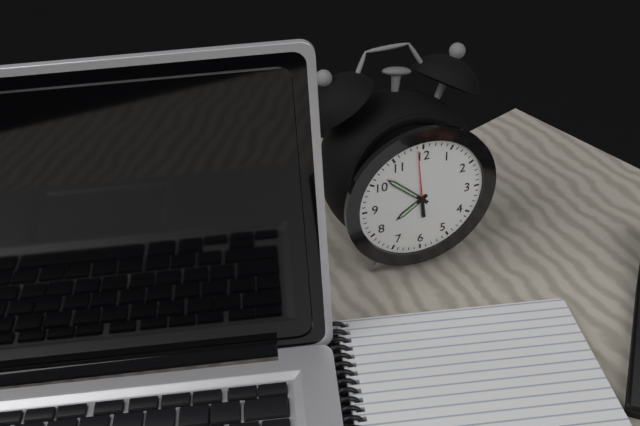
7:52
